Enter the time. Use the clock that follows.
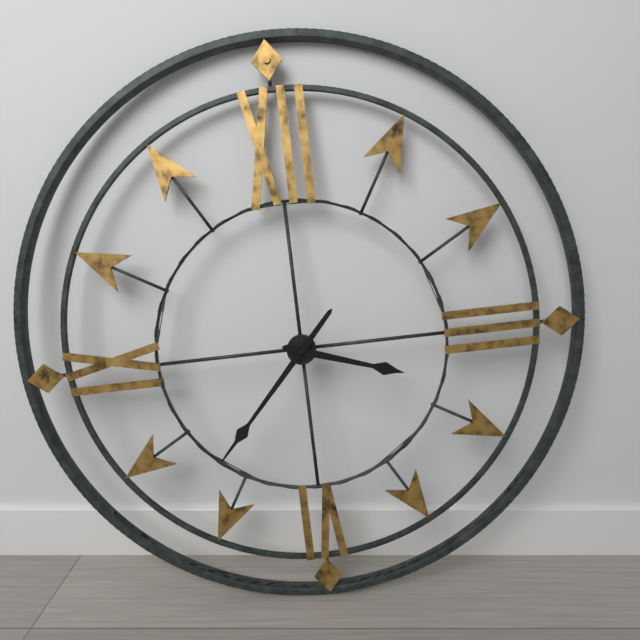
3:37
